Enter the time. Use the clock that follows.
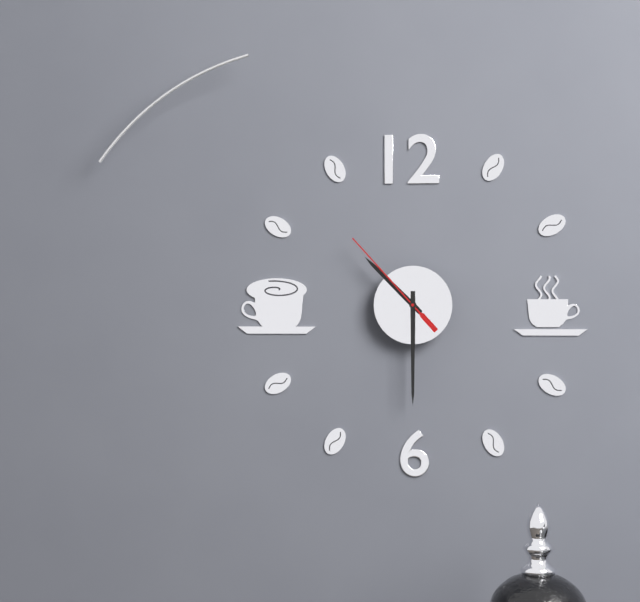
10:30:53
